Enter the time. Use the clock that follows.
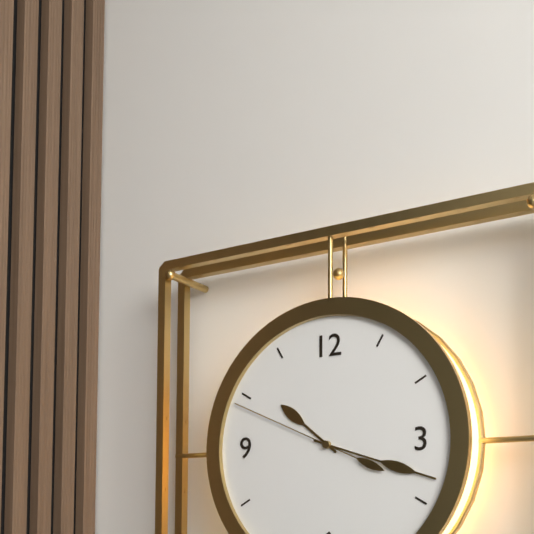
10:18:49
